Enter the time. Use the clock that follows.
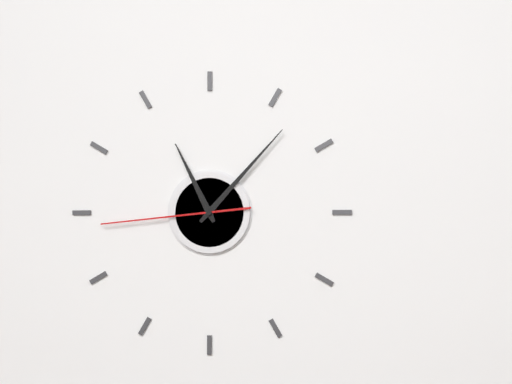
11:07:44
